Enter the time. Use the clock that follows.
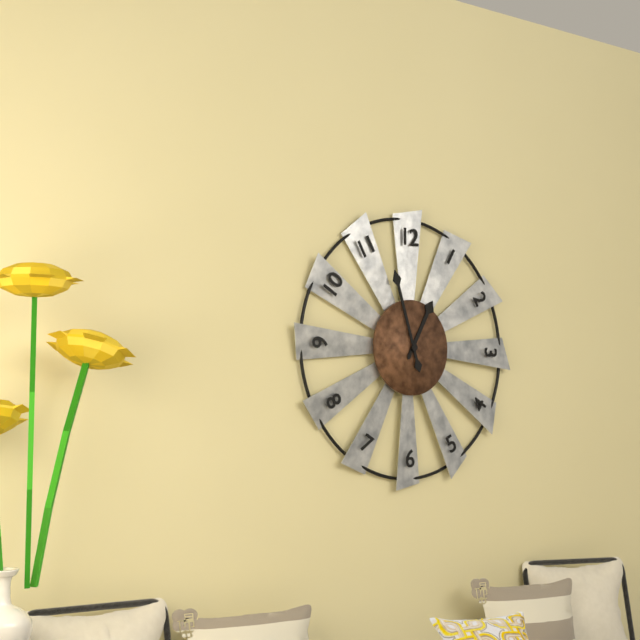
12:57
